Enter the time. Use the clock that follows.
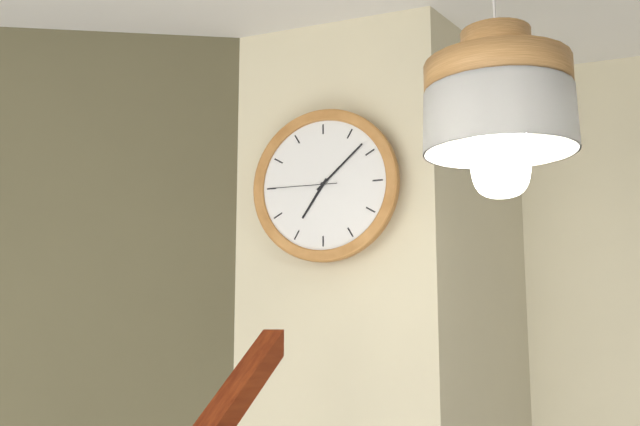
7:08:45
